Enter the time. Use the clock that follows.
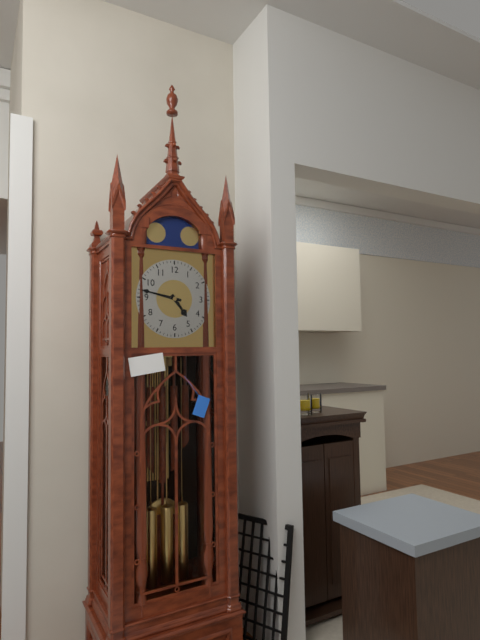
4:47
